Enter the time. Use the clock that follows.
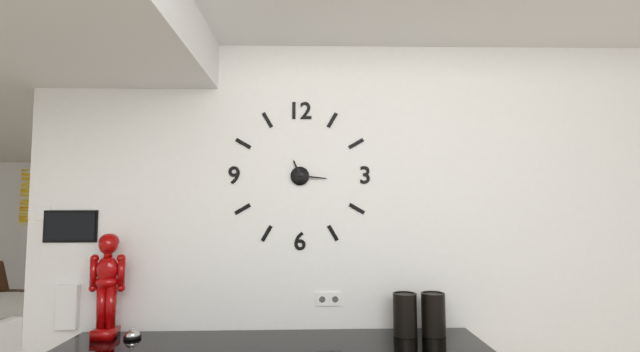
11:16
